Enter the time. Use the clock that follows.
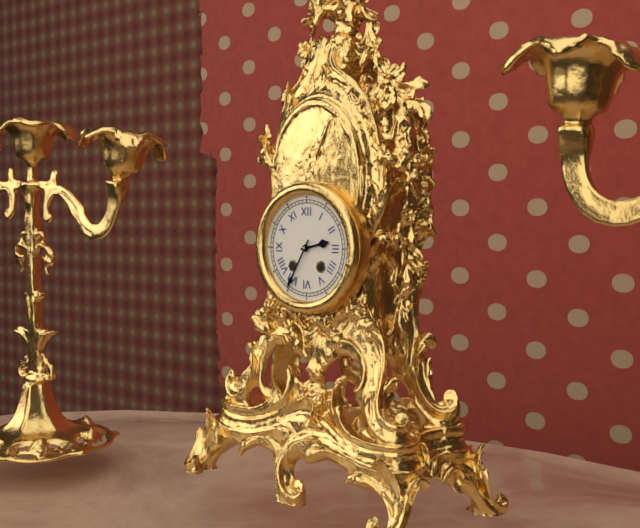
2:35
